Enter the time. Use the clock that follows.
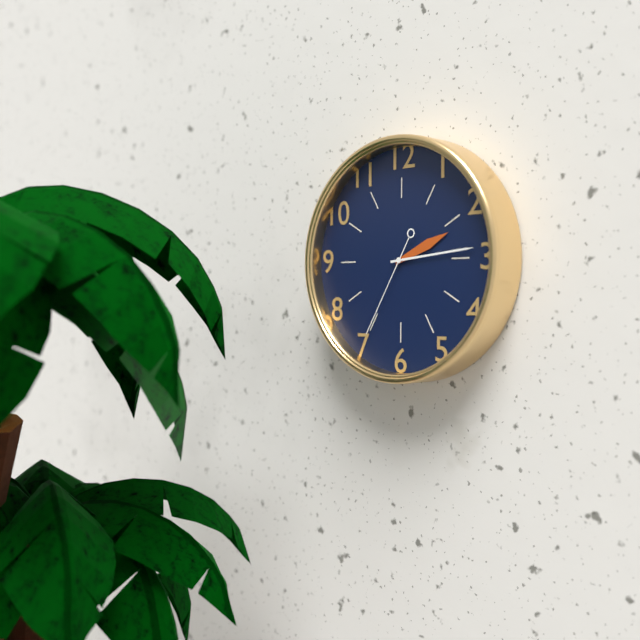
2:14:35
